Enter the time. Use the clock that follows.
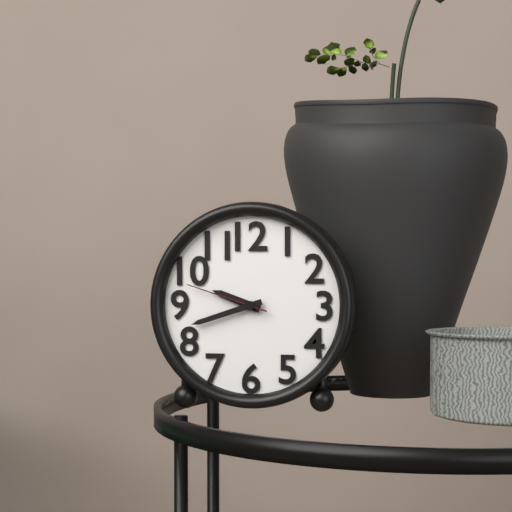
9:42:48
